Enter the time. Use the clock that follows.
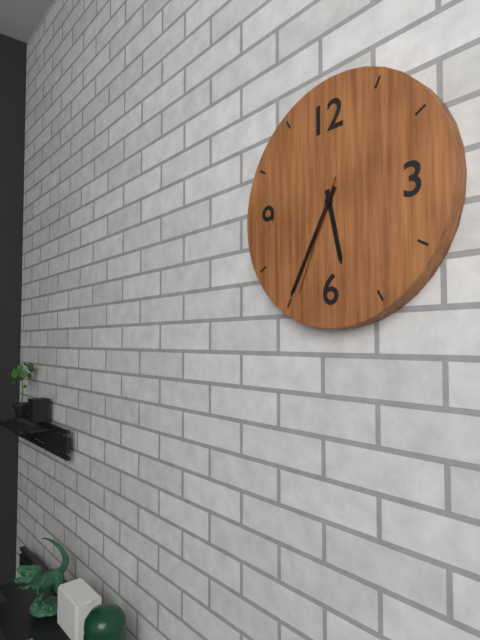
5:35:34
